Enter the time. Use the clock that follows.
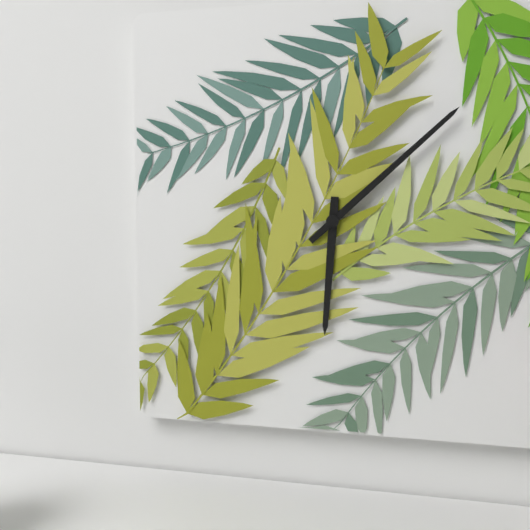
6:08
